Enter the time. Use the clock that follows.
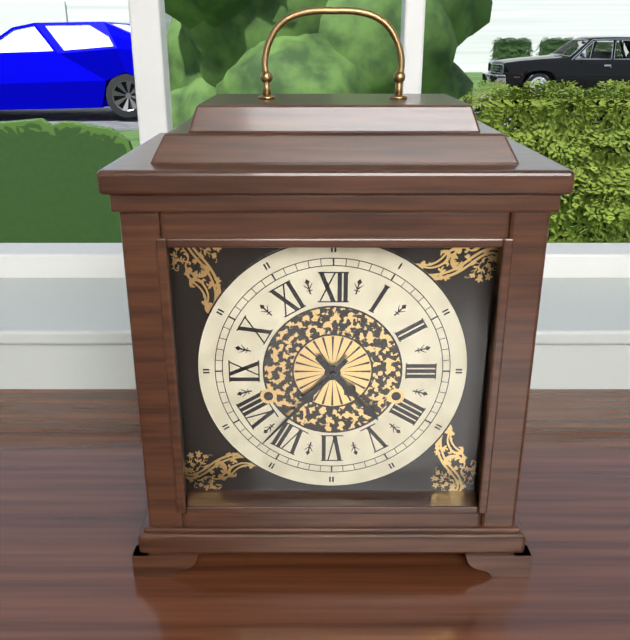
4:37
